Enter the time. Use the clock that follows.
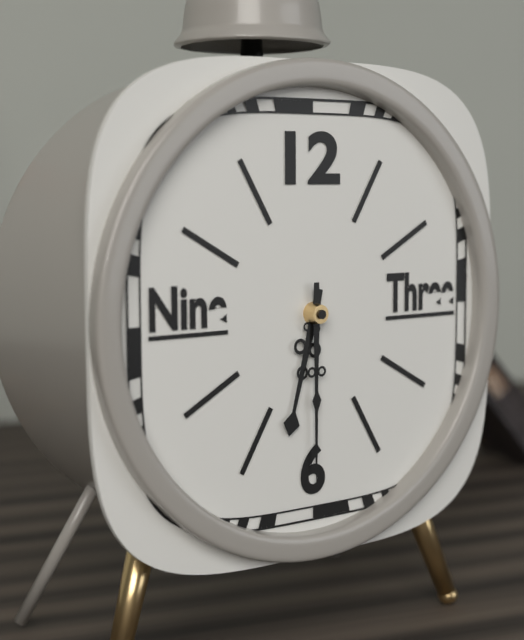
6:30
